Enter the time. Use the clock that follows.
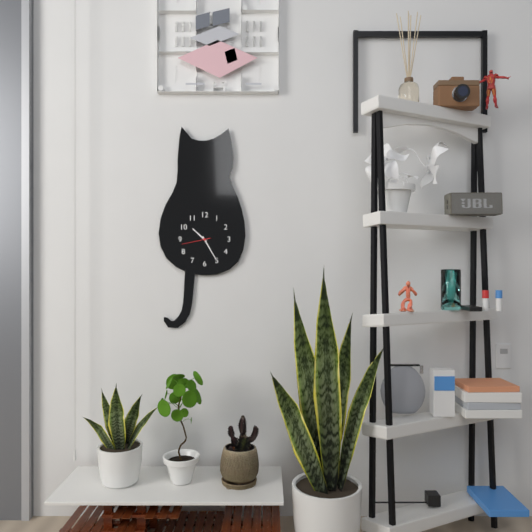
10:25
